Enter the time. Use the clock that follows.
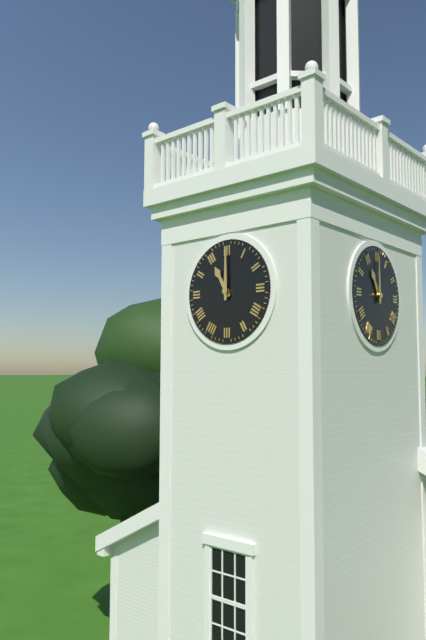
11:00
